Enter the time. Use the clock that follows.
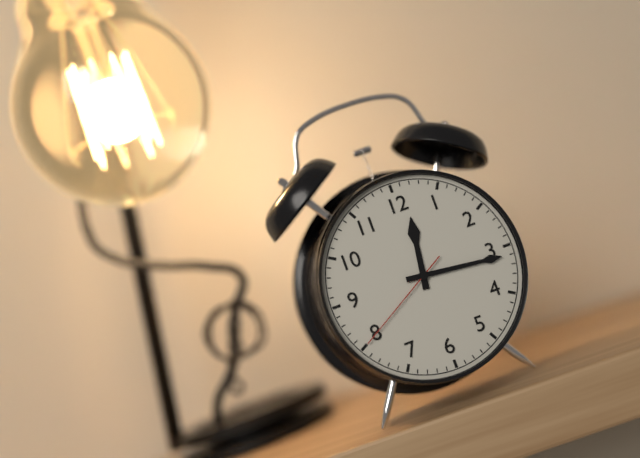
12:16:40
